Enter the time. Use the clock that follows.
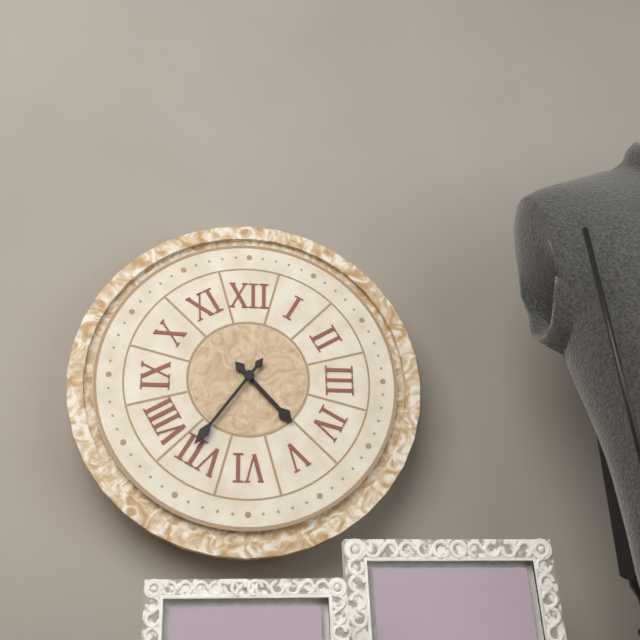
4:36
